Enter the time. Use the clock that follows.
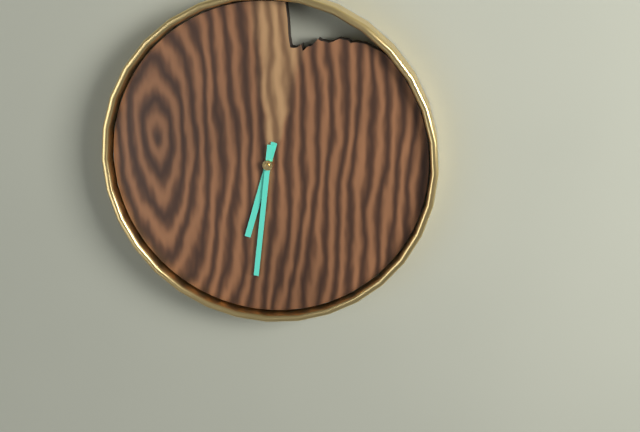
6:31
